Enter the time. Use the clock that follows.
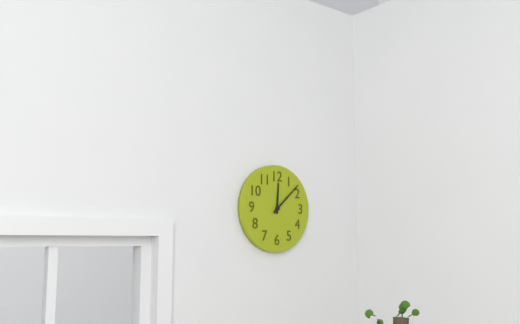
12:08
